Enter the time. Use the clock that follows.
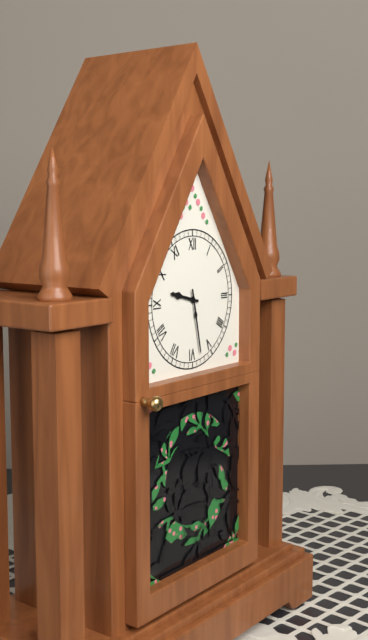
9:28
